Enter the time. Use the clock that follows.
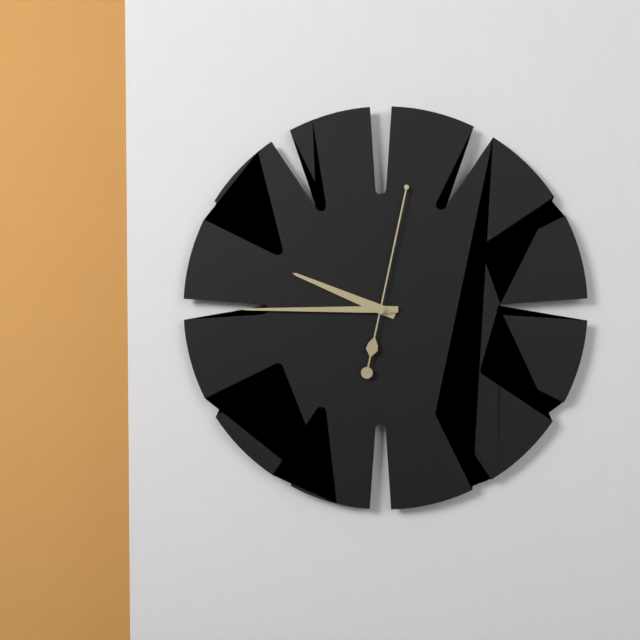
9:45:02
